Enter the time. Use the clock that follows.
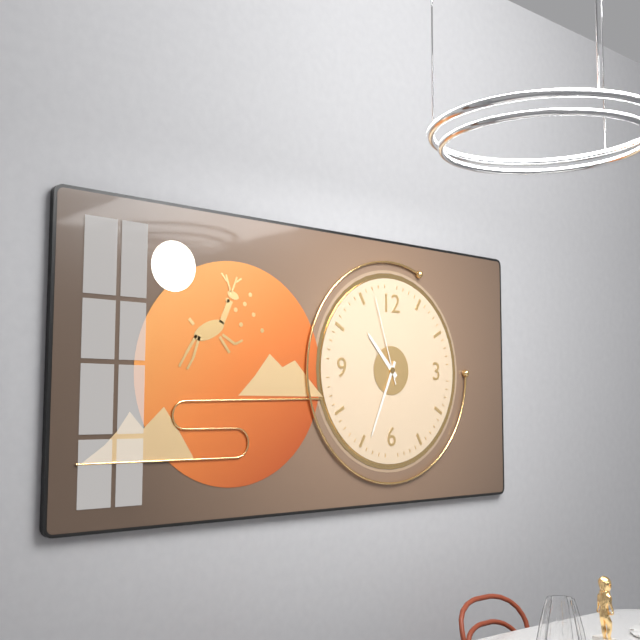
10:34:57
